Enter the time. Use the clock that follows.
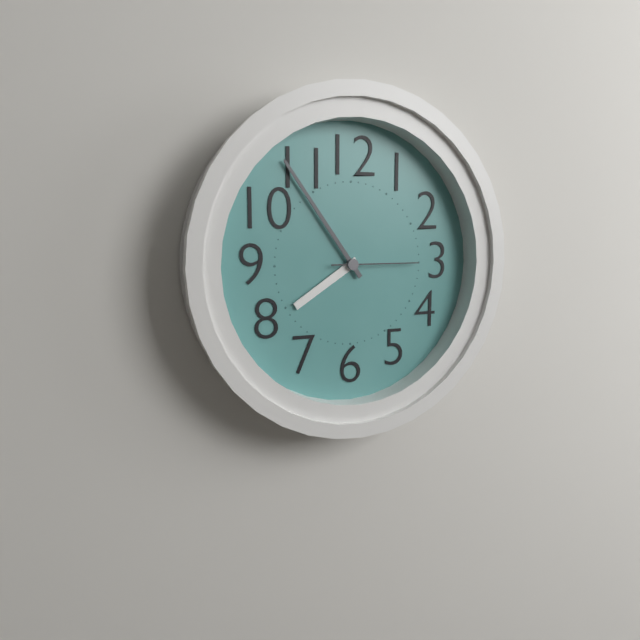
7:54:15
